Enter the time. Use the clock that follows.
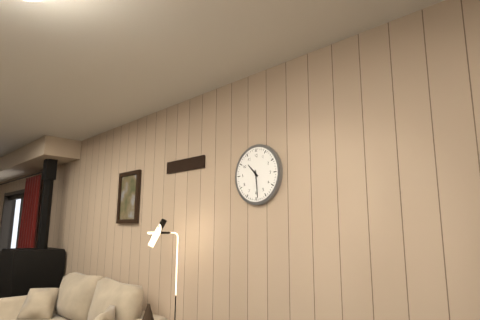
10:29
